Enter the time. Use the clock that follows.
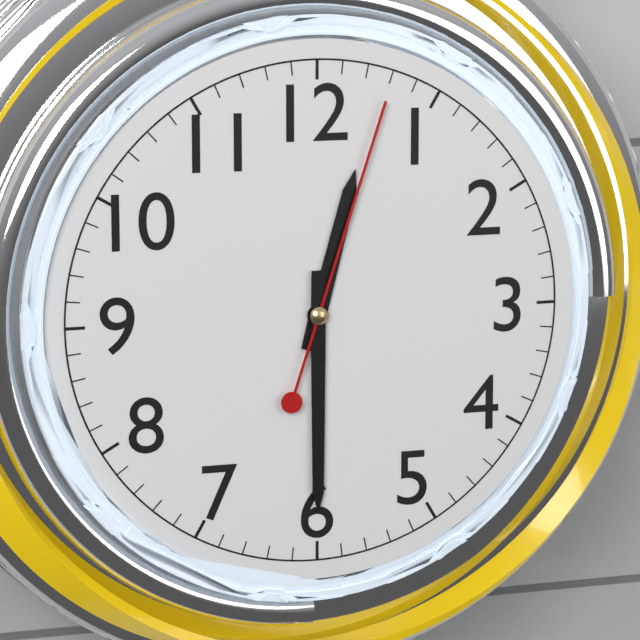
12:30:03
